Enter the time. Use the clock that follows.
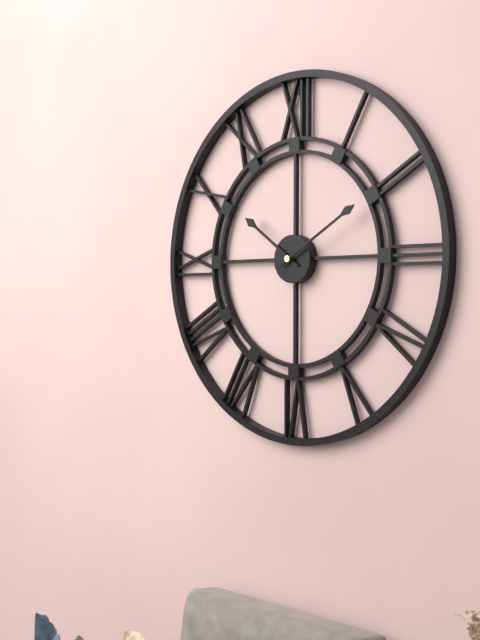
10:10
